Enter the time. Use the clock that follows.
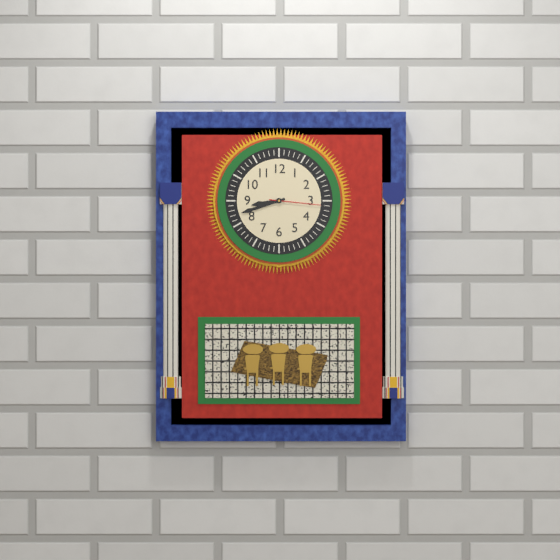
8:42:16
